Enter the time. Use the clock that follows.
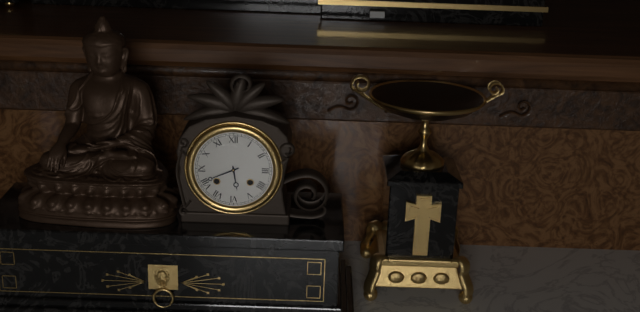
5:41
